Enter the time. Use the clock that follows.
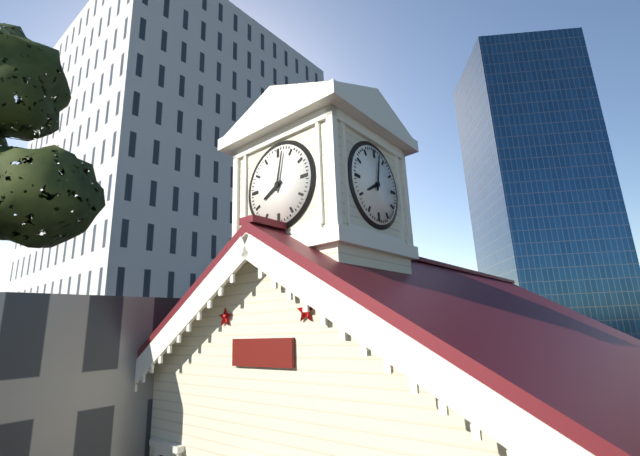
8:02
